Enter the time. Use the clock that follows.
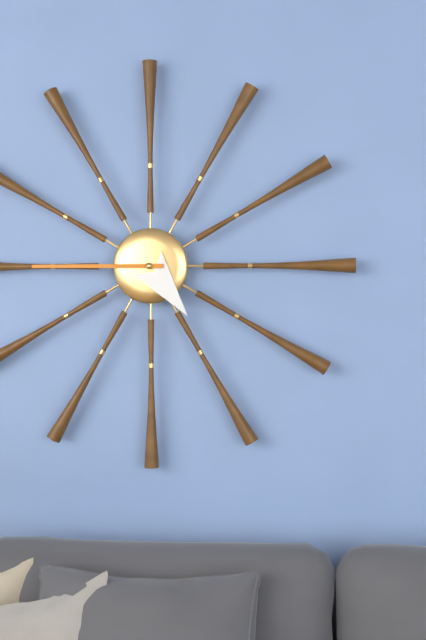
4:45
